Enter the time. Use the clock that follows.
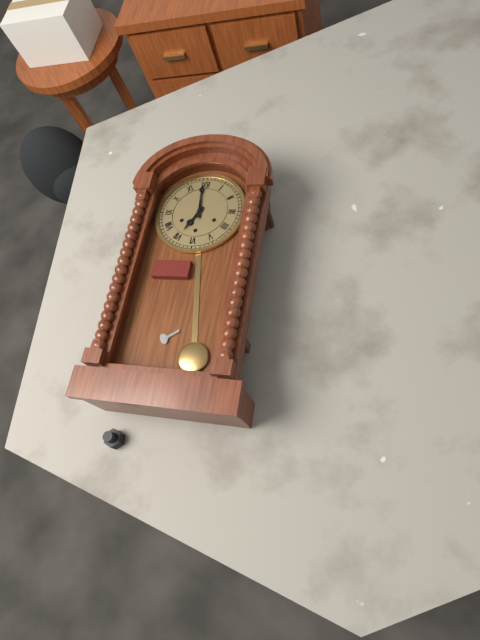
6:59
